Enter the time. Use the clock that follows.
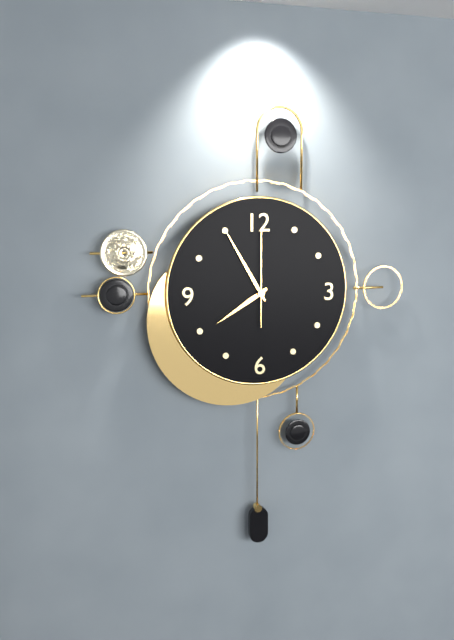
7:55:00
